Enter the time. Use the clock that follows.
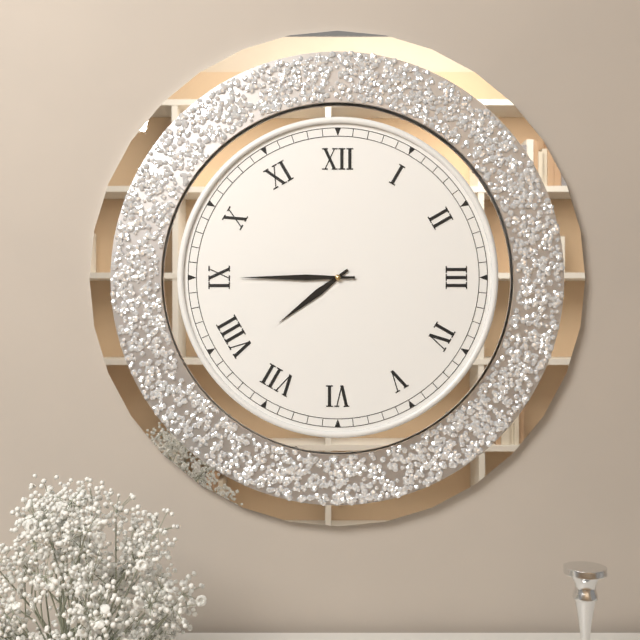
7:45
